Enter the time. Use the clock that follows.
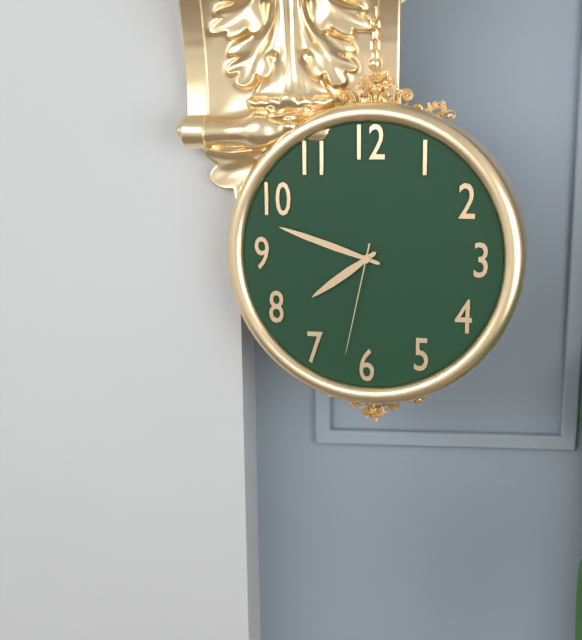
7:48:32
